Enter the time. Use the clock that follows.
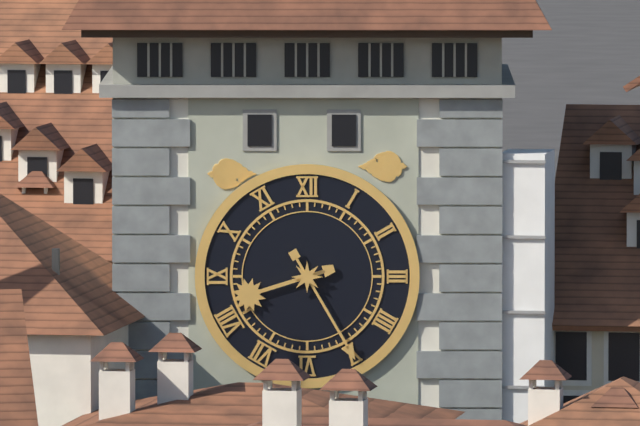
8:25
